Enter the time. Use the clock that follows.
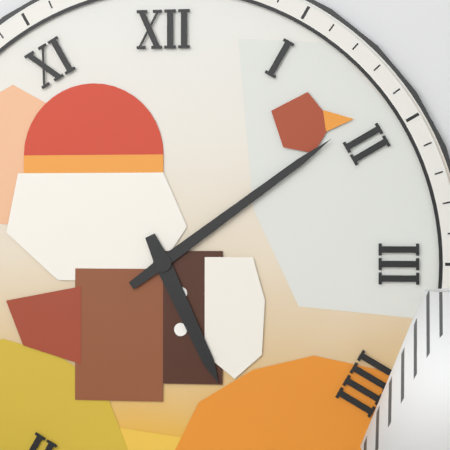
5:09
